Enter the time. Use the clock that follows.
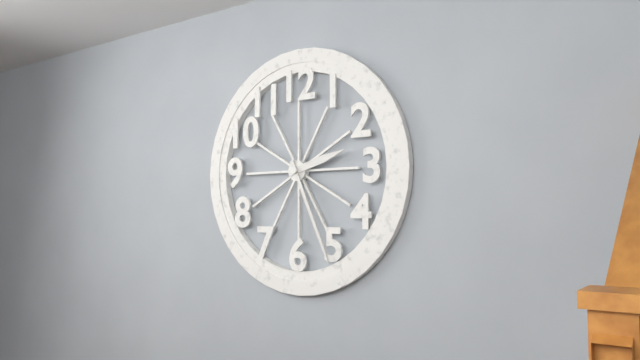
2:26
